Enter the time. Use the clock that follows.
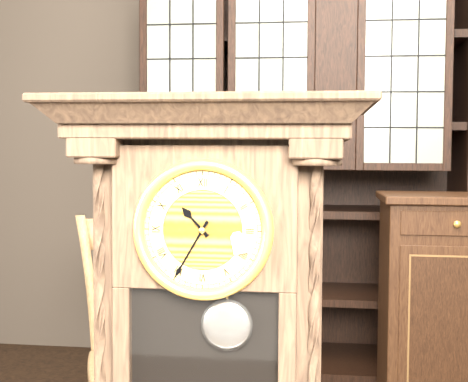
10:35
